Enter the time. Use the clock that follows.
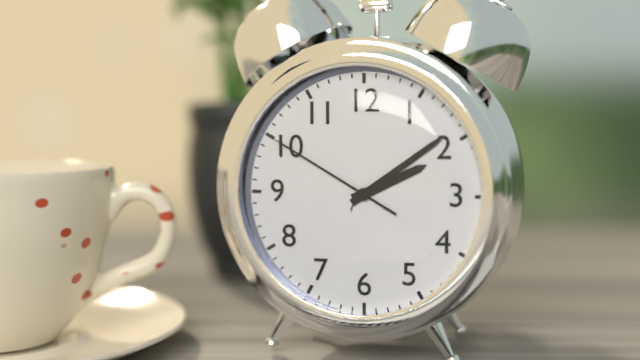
2:09:50
